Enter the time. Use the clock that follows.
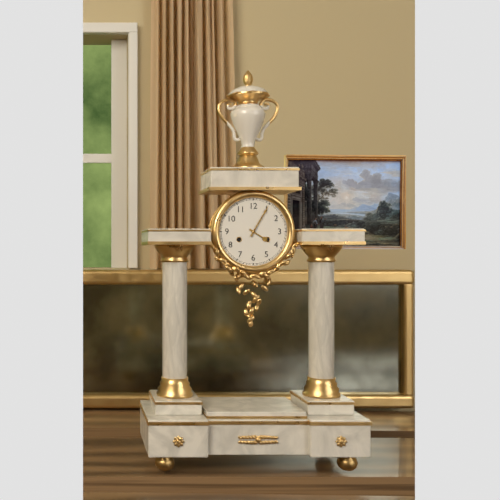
4:05
